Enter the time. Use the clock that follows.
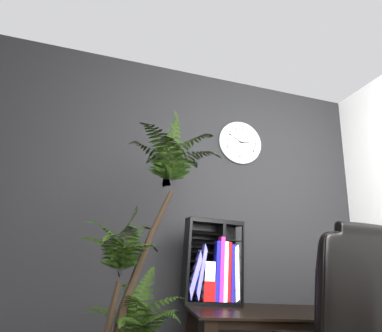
2:50
